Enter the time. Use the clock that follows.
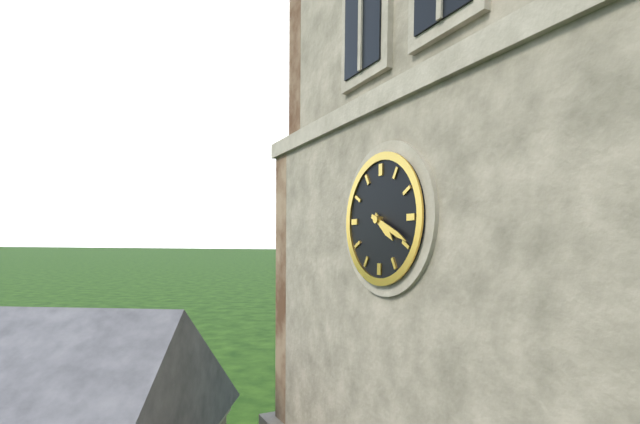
4:19
